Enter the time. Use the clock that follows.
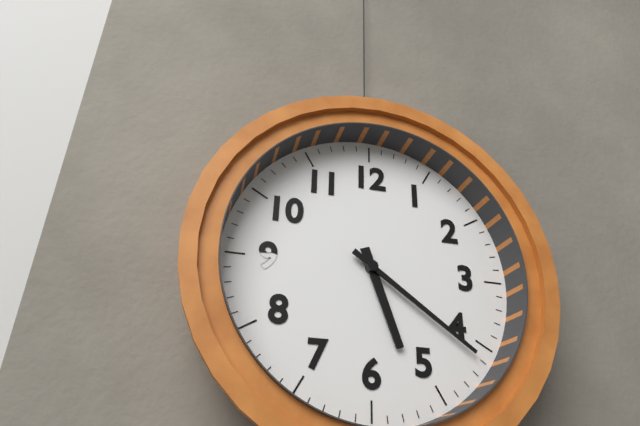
5:21
